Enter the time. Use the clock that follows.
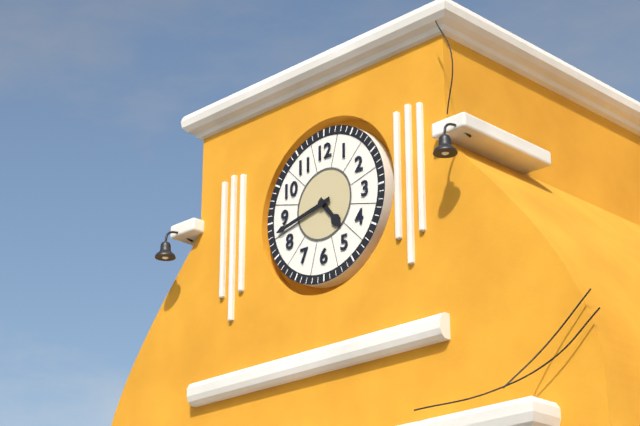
4:43
